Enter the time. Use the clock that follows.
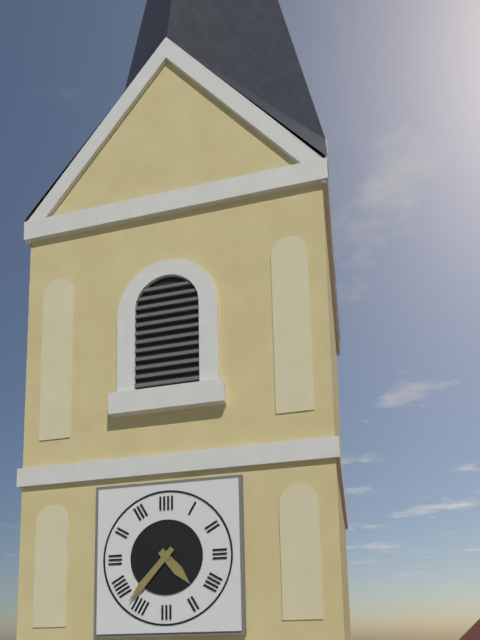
4:37
